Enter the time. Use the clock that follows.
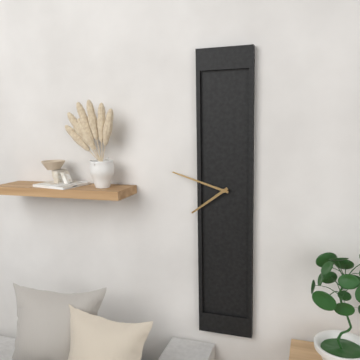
7:48
